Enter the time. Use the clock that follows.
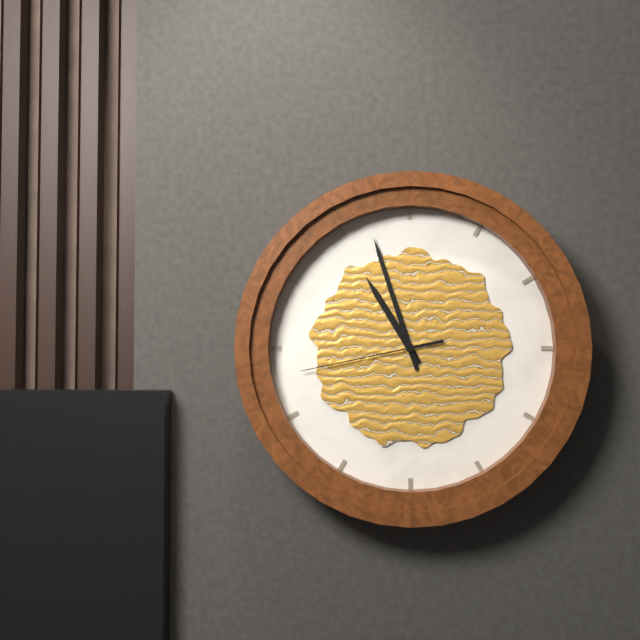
10:57:43
